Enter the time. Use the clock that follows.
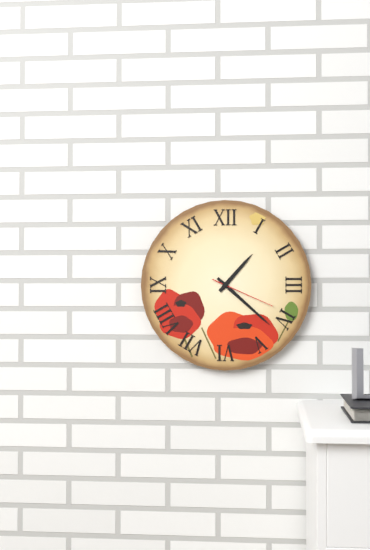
1:22:19
